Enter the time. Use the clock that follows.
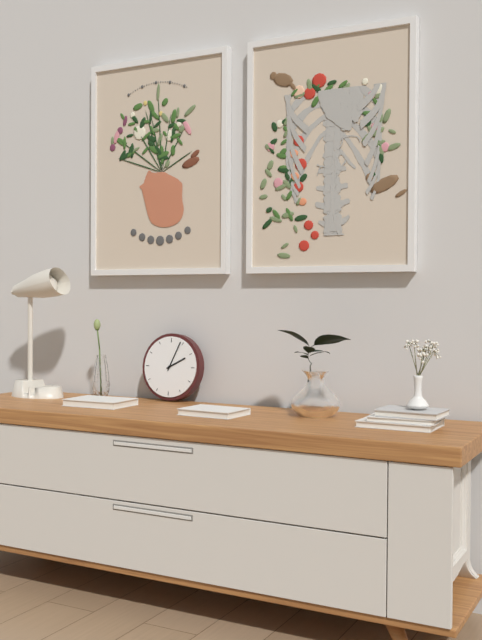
2:04
